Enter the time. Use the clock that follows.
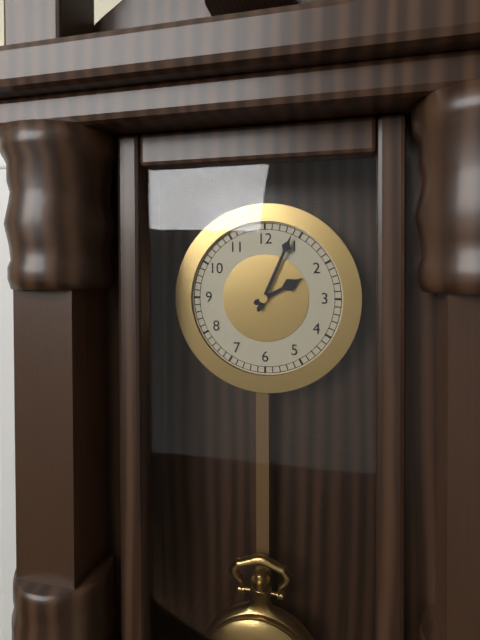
2:04
